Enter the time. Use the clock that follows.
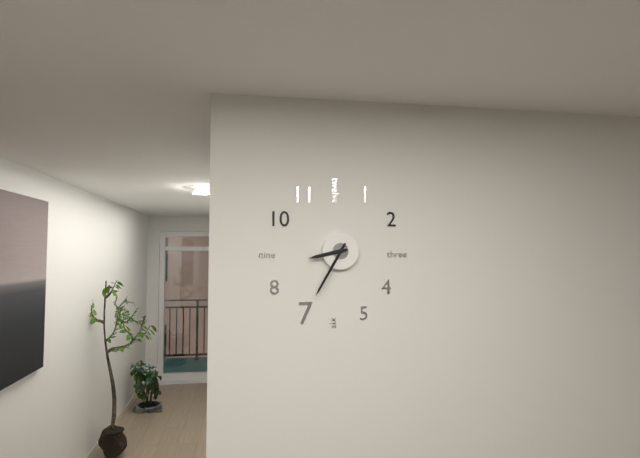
8:35
